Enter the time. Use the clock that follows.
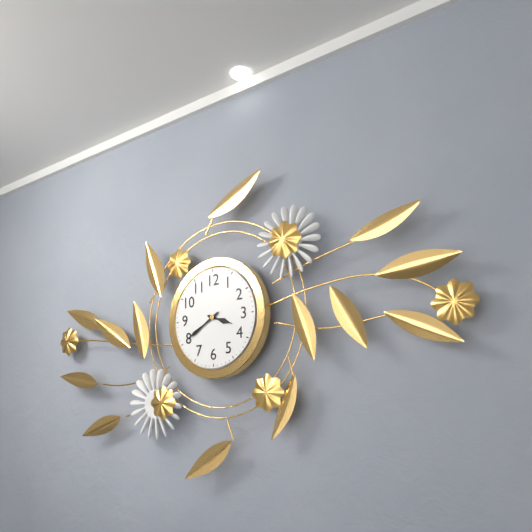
3:40
